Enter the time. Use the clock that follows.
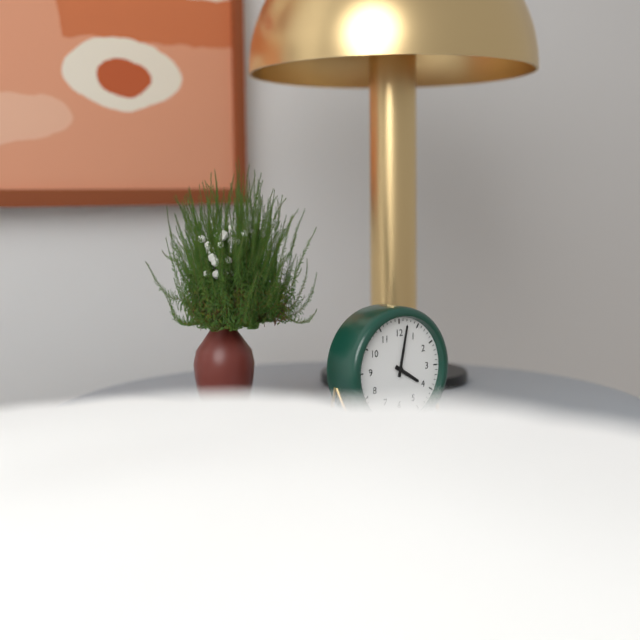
4:02
